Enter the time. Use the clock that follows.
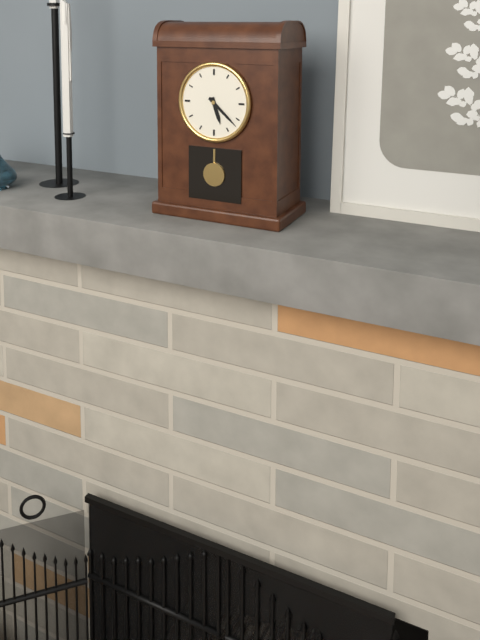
5:22
